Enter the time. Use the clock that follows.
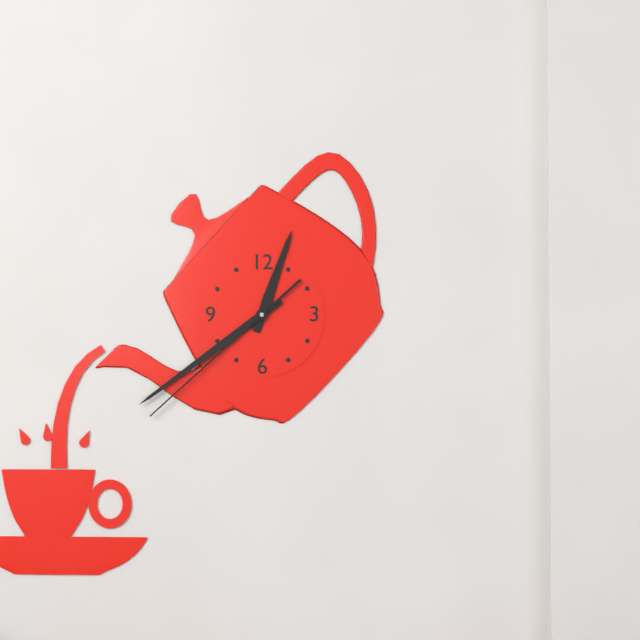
12:39:38
